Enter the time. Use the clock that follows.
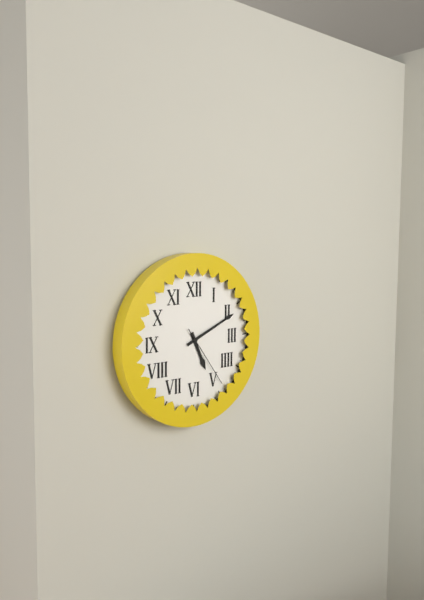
5:11:24
